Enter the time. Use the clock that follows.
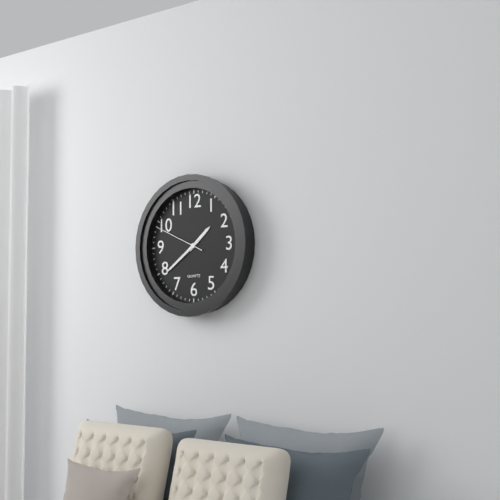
1:39:49
